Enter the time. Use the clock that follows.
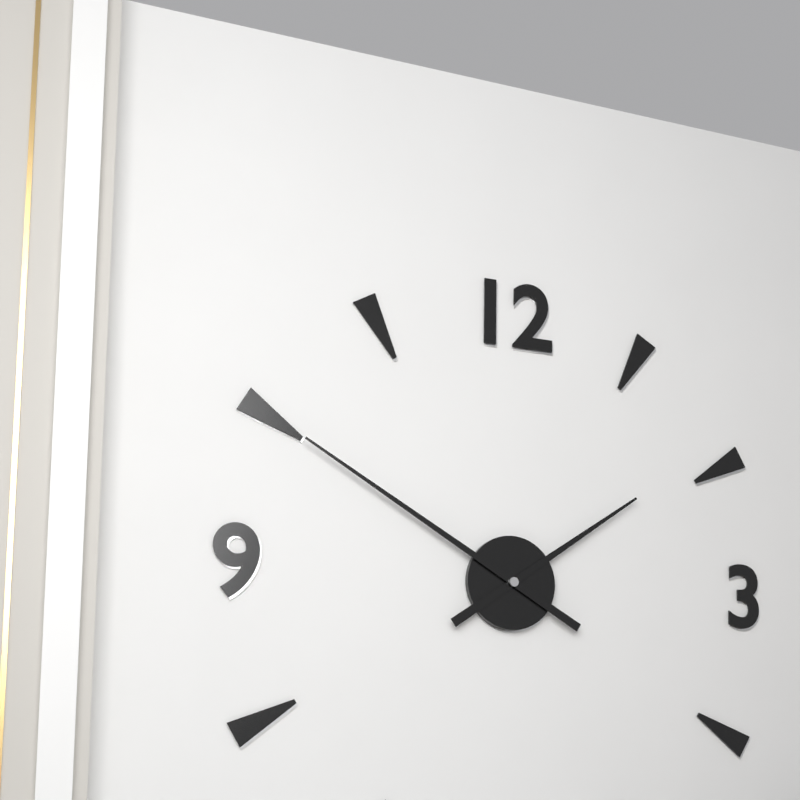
1:50
